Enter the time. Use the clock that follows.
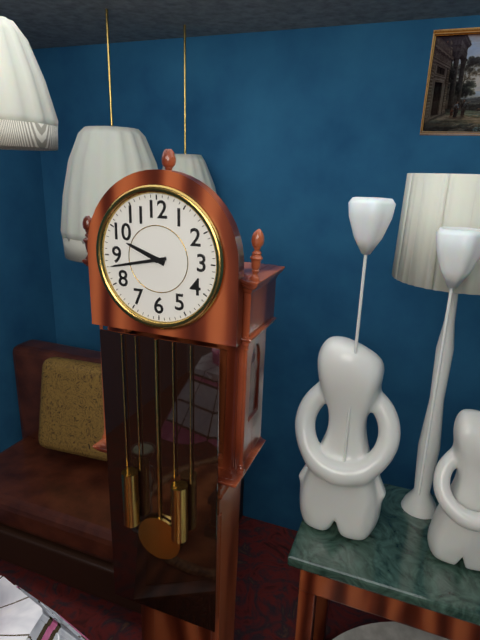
9:43
